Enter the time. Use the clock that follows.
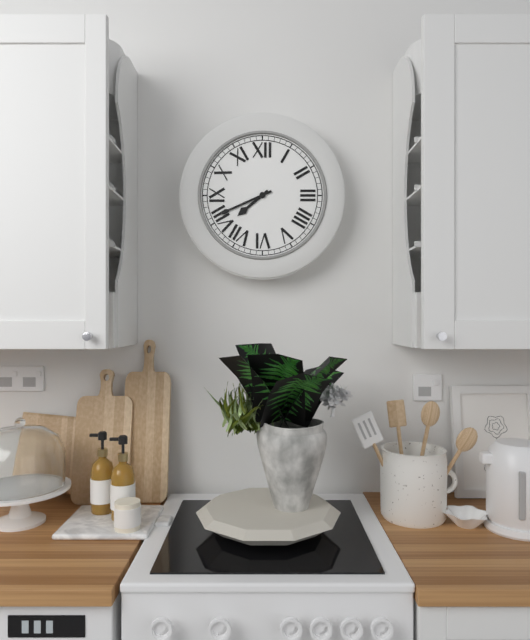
7:41
